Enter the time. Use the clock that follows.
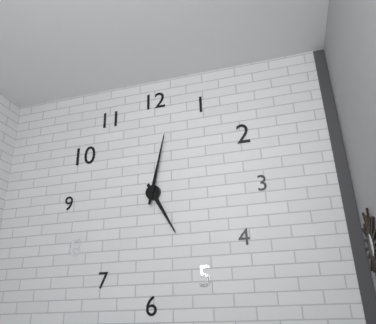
5:02
